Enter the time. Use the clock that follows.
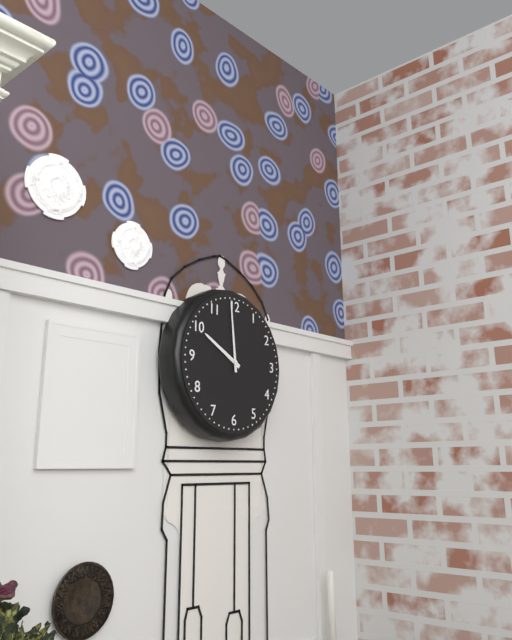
9:59
